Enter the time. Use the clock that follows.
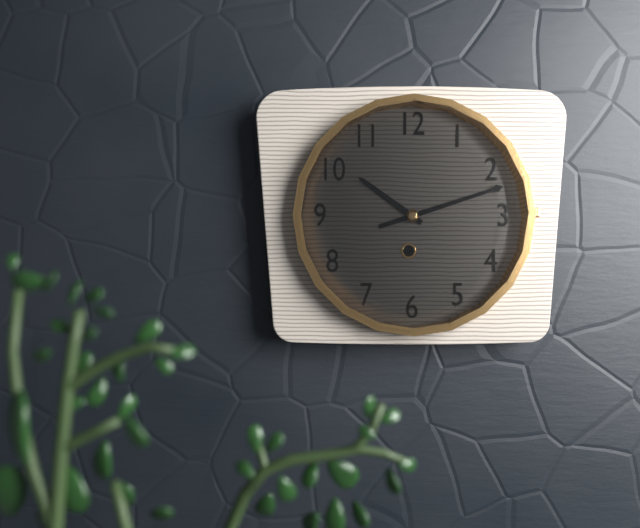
10:12
